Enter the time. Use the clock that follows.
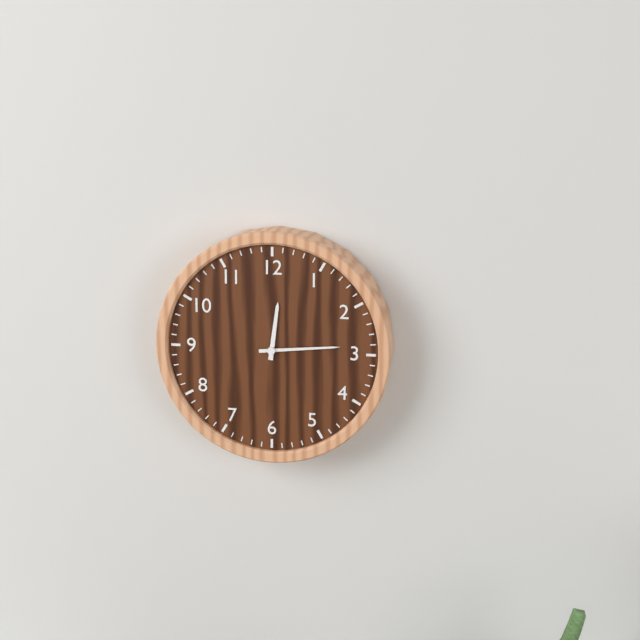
12:14
